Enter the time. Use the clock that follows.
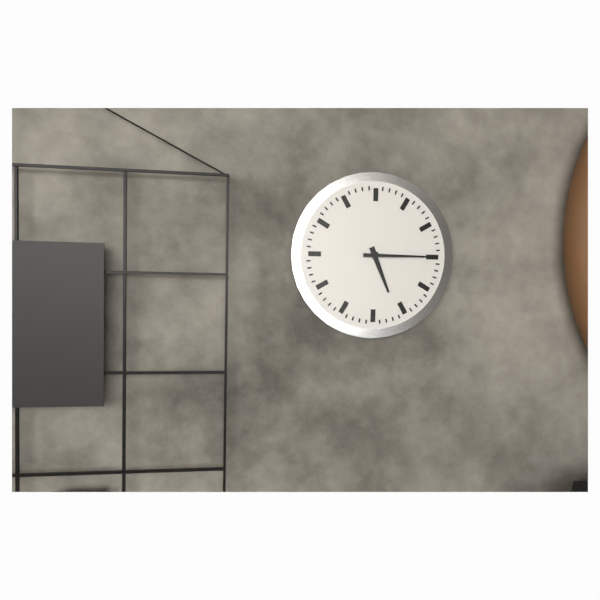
5:15
